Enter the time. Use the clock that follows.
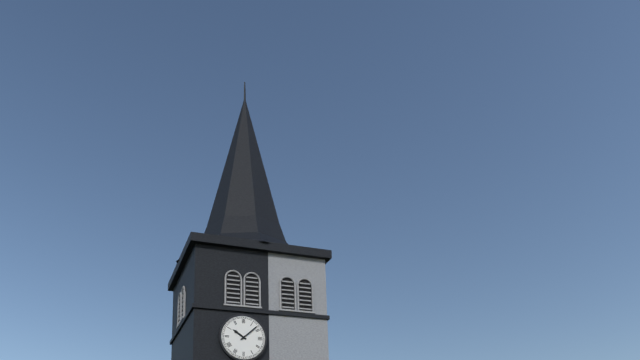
10:08
